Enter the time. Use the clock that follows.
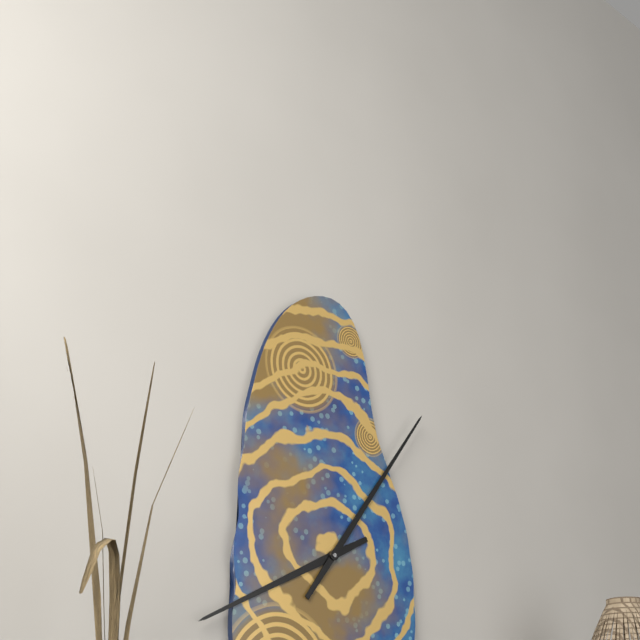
8:06
